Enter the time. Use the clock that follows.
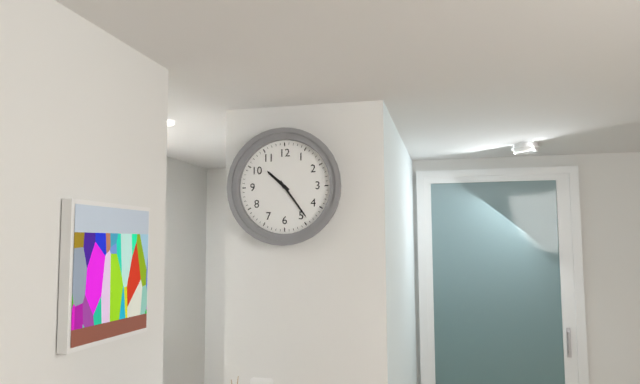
10:24
